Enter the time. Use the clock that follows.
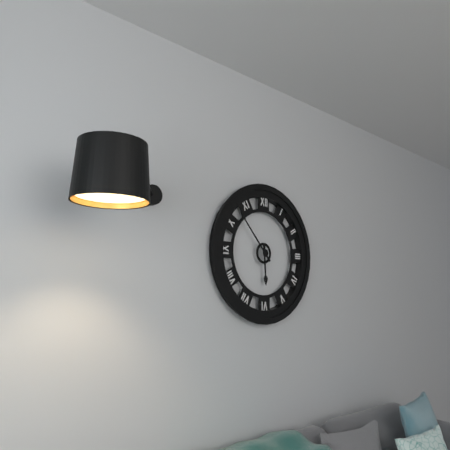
5:53
